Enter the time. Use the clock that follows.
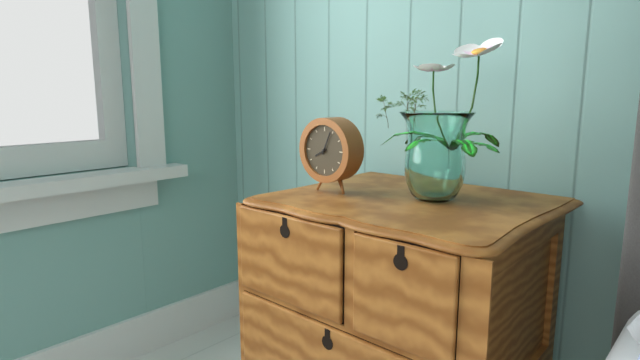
8:04
